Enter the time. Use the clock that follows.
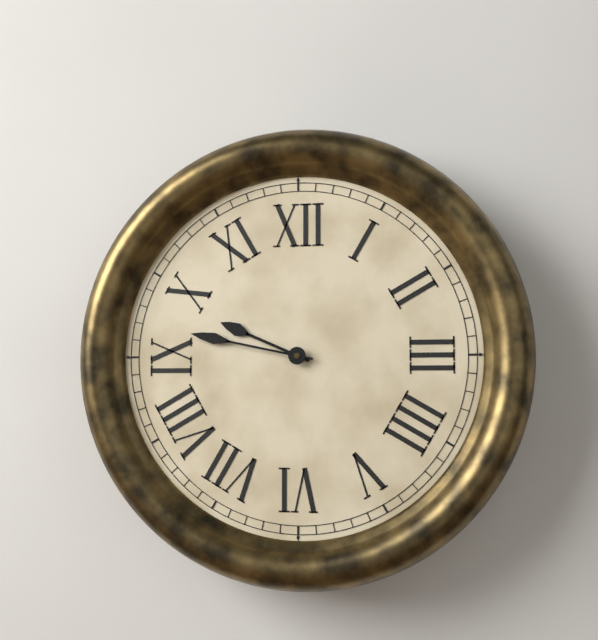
9:47
